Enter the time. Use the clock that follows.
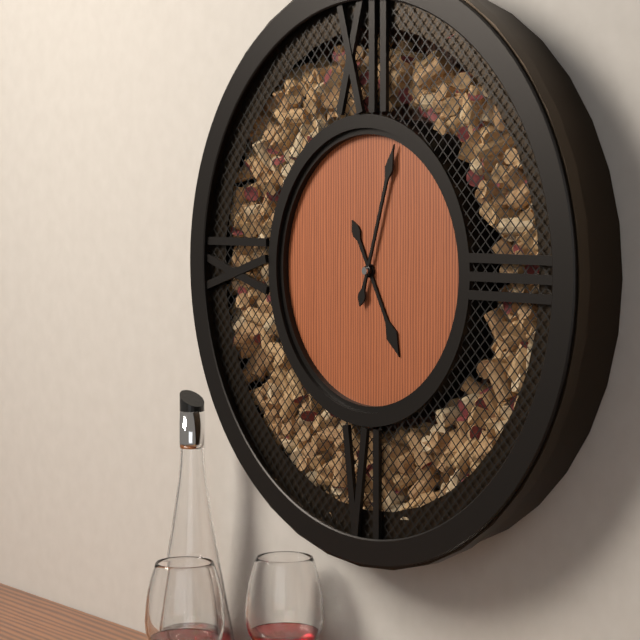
5:03
